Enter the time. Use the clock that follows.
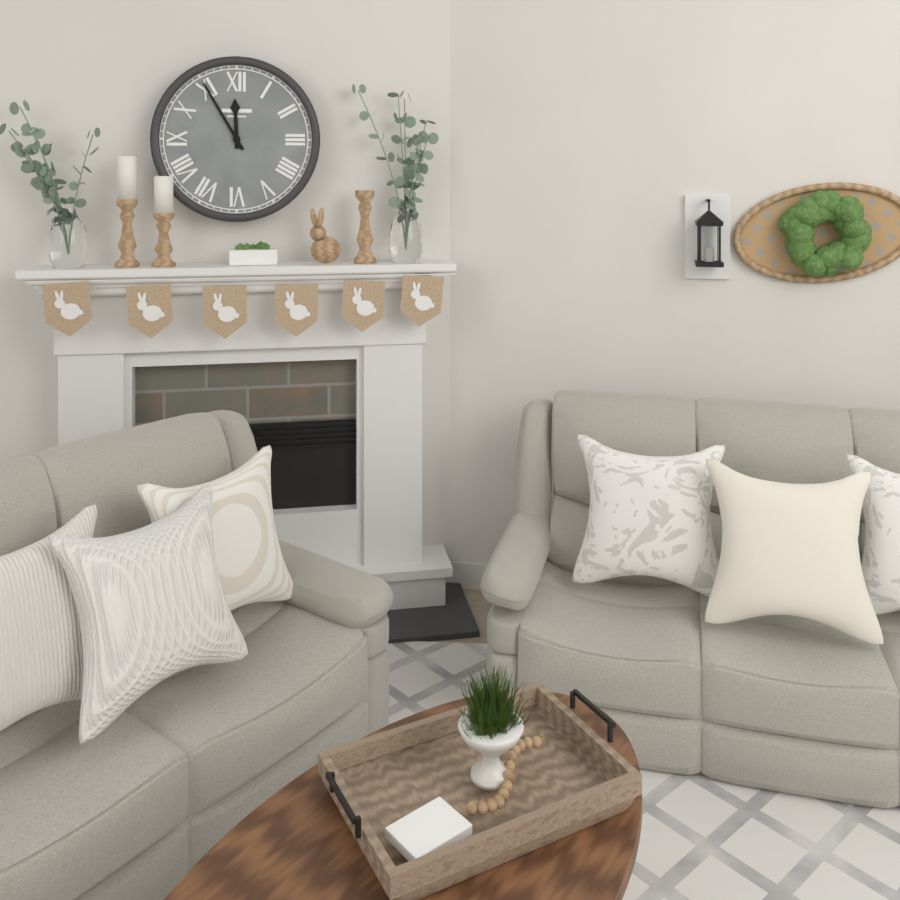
11:55
